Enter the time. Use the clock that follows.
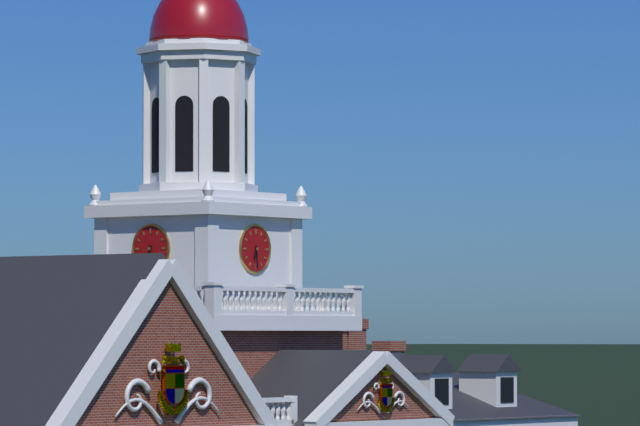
6:29
